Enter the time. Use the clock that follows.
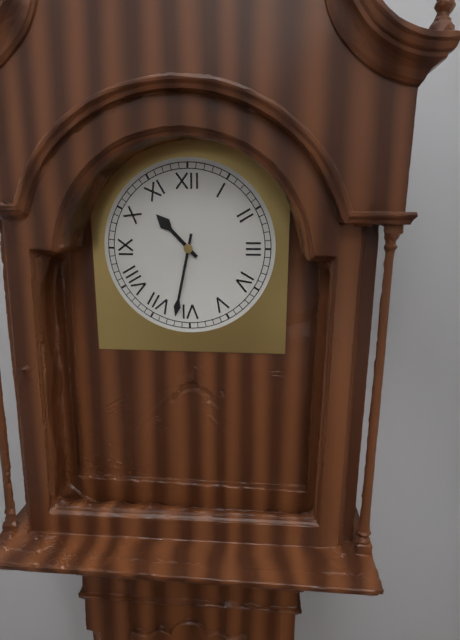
10:32
